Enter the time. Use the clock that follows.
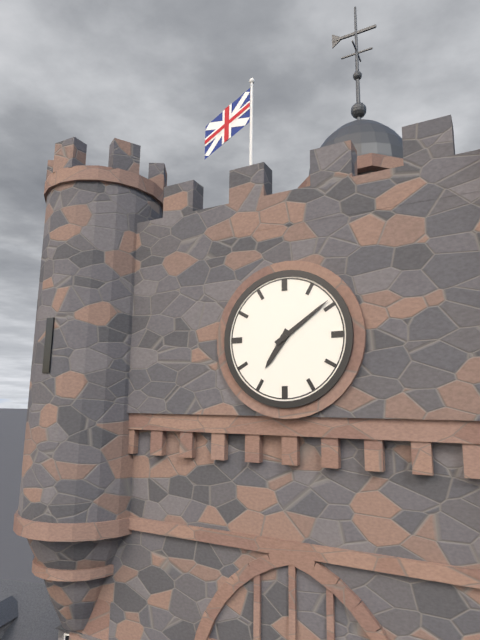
7:09
